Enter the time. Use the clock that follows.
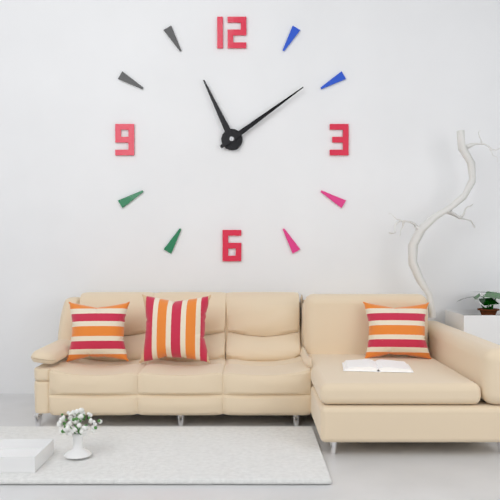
11:09
